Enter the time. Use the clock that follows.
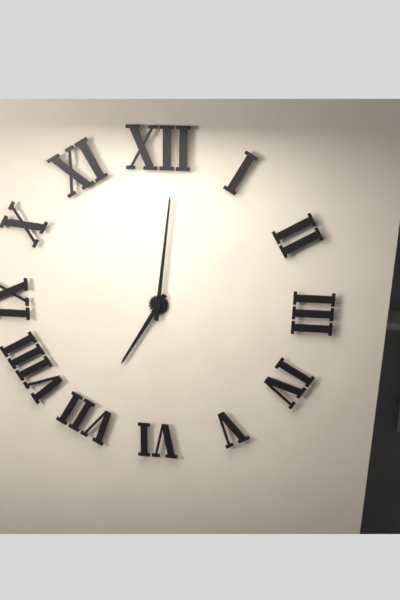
7:01
